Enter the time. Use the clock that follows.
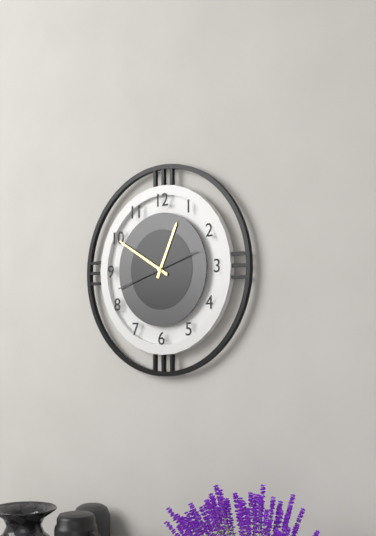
12:50:42
